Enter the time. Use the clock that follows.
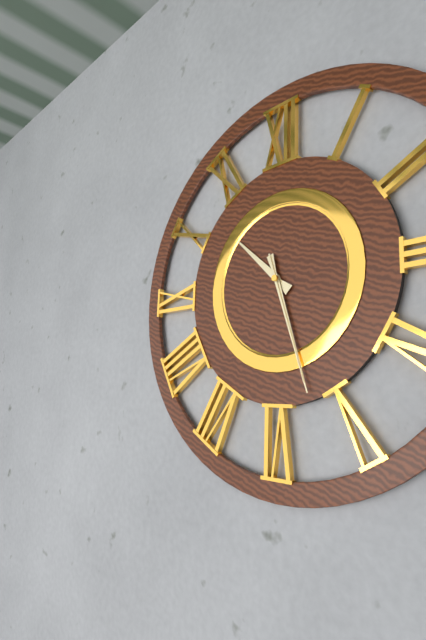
10:27:27
